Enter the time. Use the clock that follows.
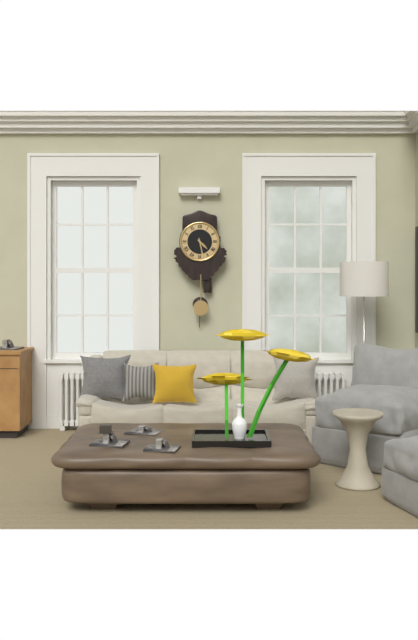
4:28
